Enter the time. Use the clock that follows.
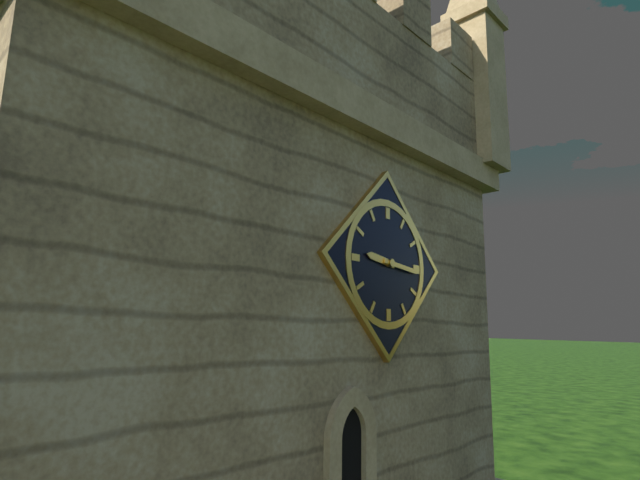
9:16
